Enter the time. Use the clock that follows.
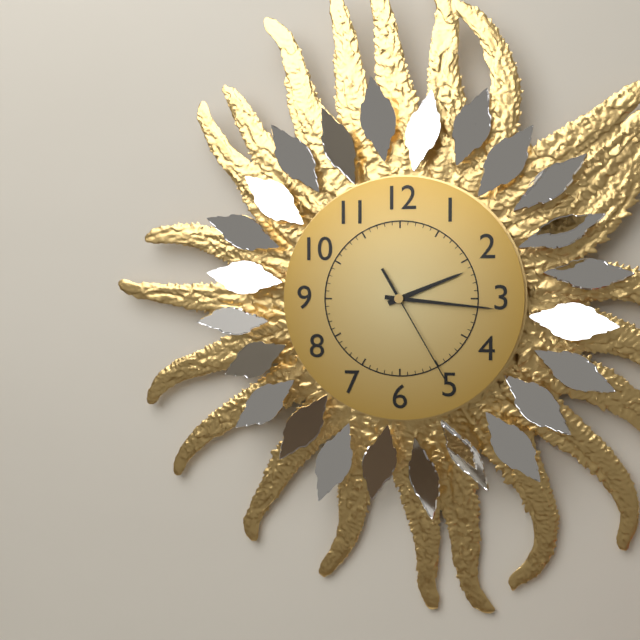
2:16:25
